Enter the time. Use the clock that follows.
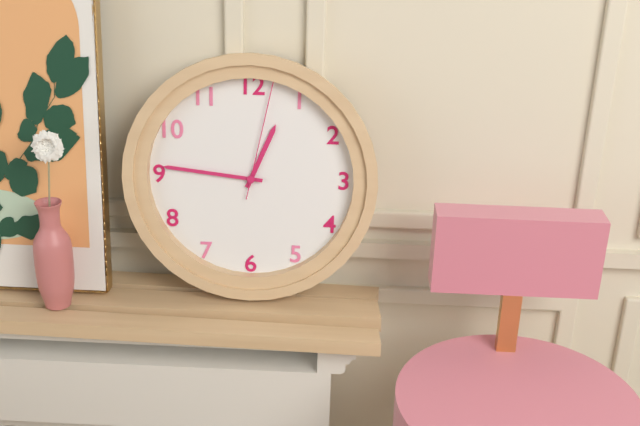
12:46:02
